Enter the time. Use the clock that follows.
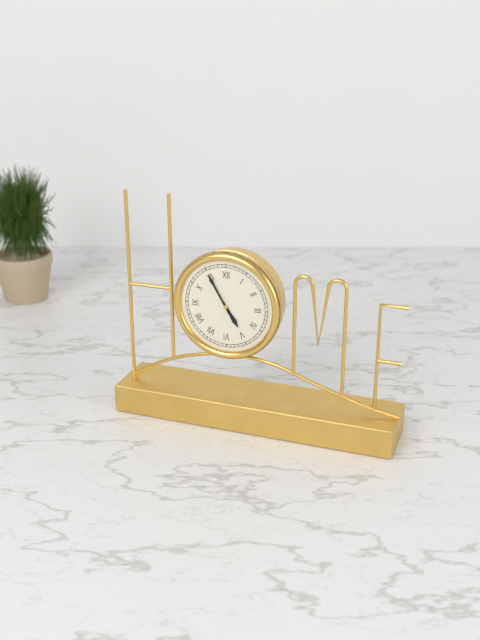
4:55
